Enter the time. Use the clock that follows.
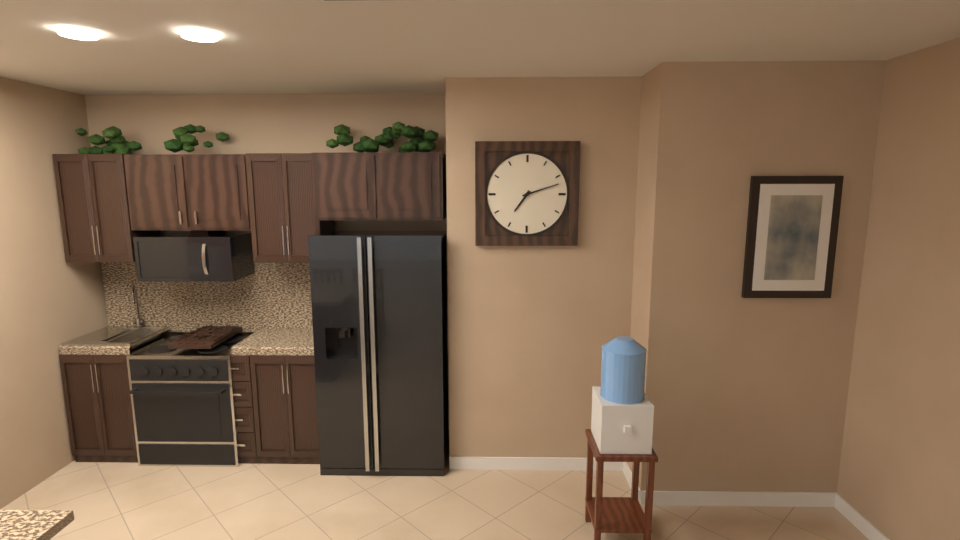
7:12
